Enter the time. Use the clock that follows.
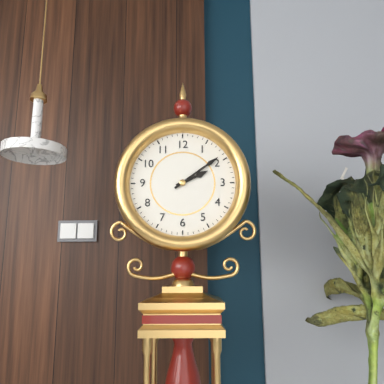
2:09
